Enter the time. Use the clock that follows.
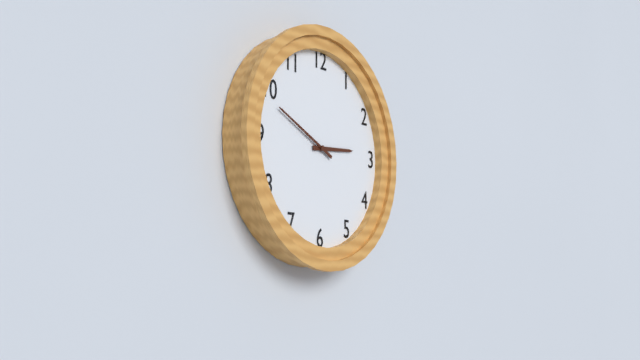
2:49
